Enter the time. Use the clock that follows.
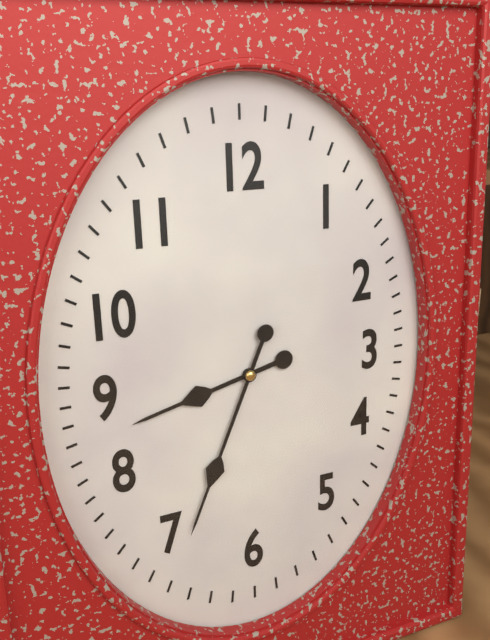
8:34
